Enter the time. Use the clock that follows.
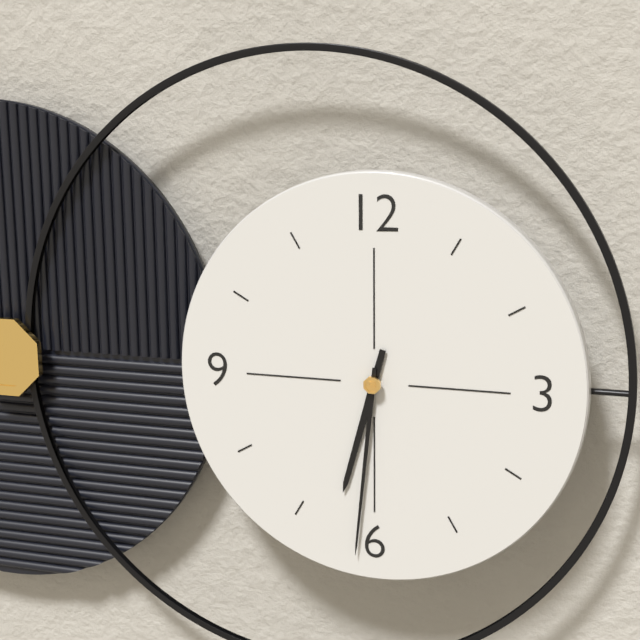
6:31
